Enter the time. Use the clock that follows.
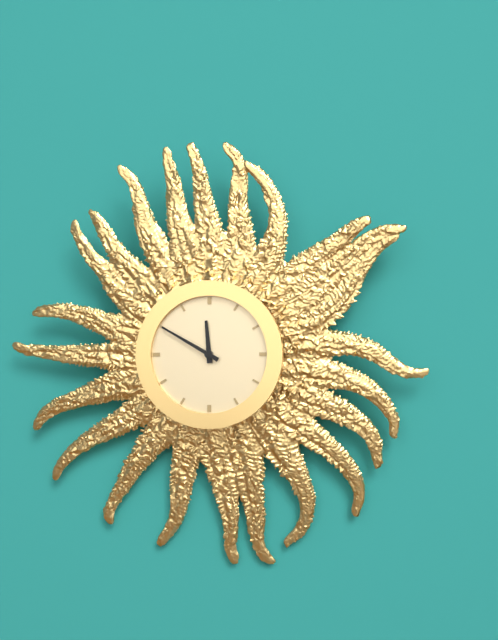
11:50
